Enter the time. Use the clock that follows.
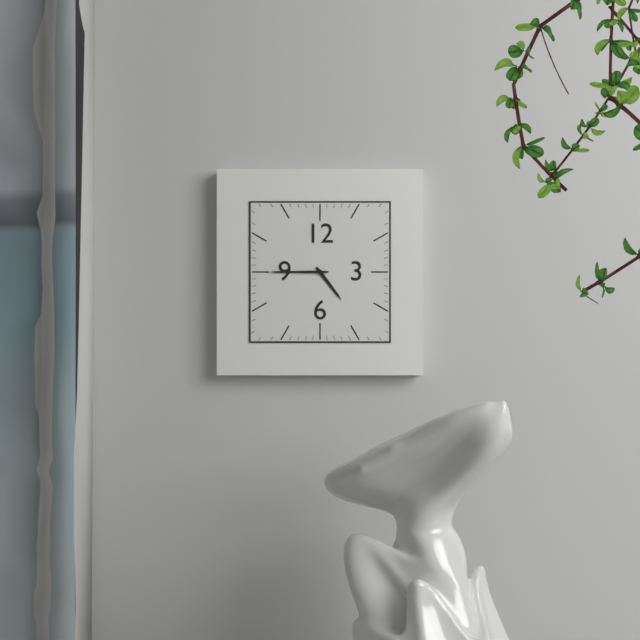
4:45
